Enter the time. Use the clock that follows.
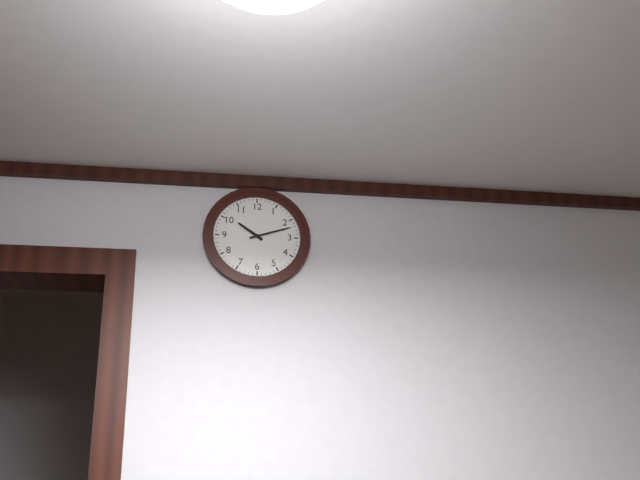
10:12
